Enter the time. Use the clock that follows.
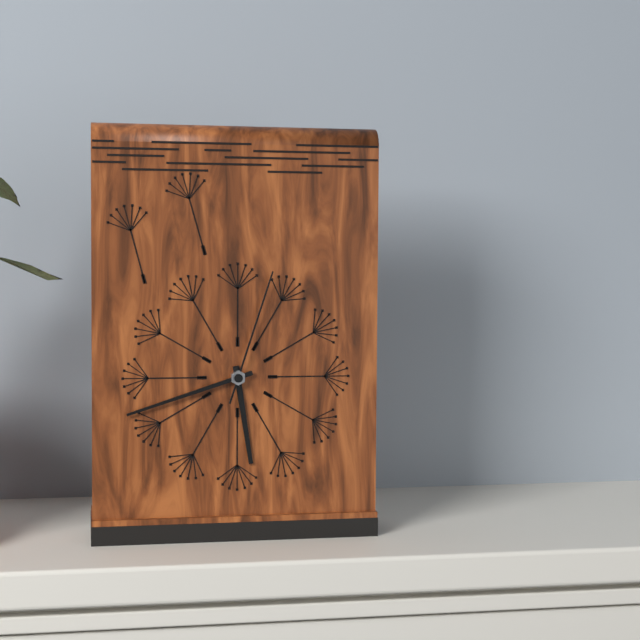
5:42:03
